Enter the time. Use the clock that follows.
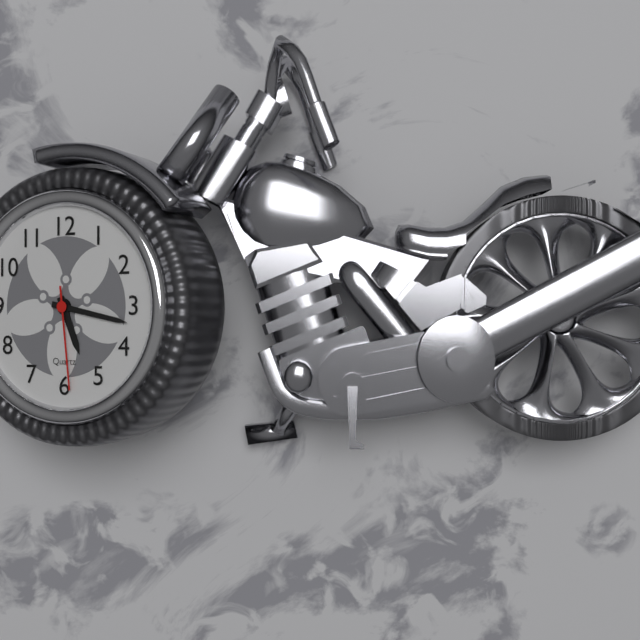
5:17:29
